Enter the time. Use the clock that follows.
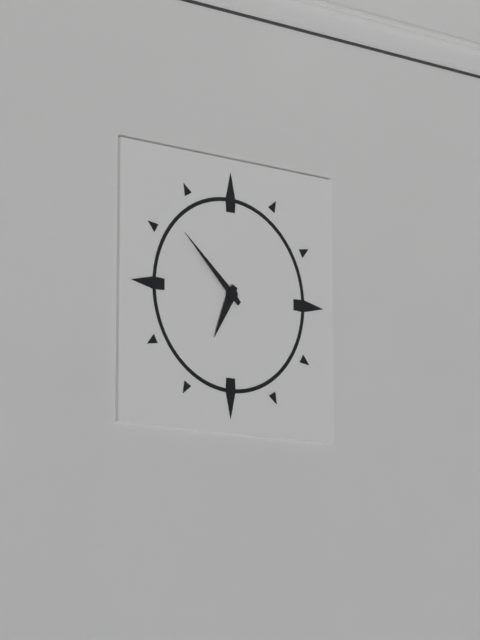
6:52
